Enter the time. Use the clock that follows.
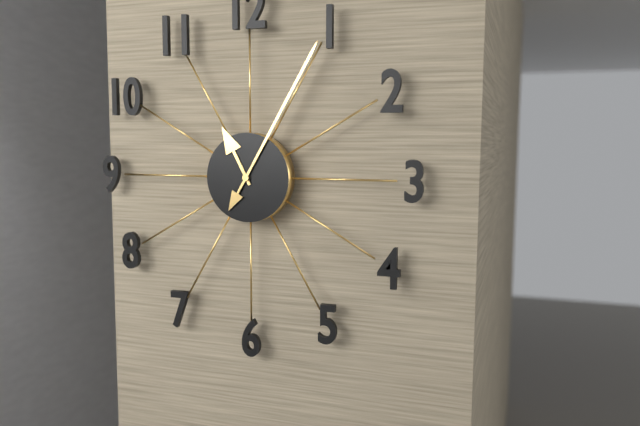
11:05
